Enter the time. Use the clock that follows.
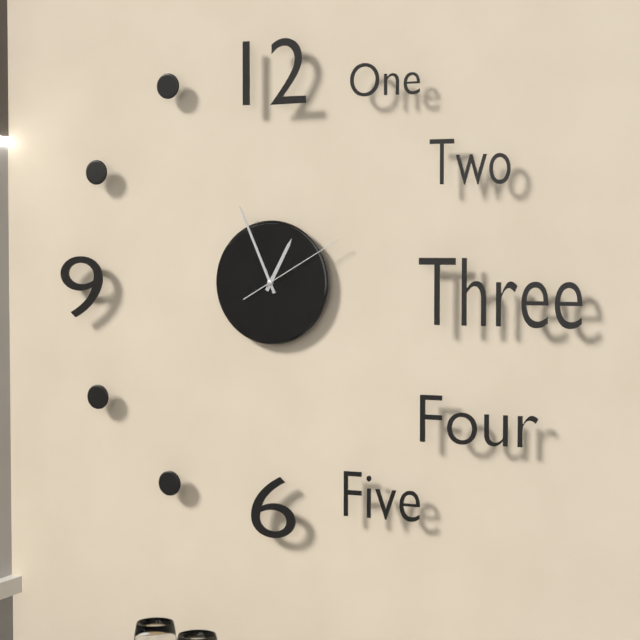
12:56:10
